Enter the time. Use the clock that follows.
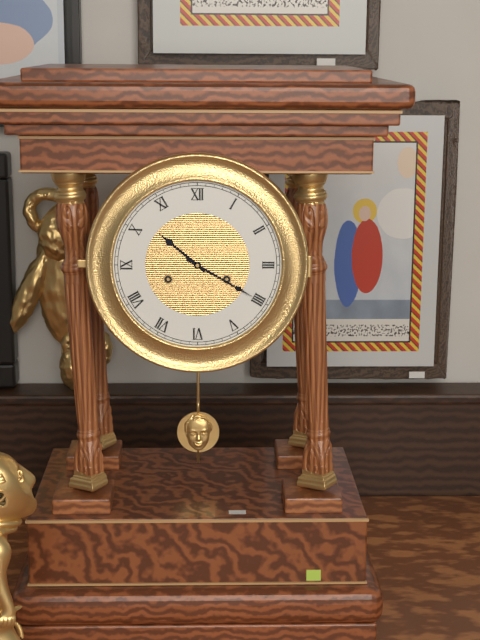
10:20
